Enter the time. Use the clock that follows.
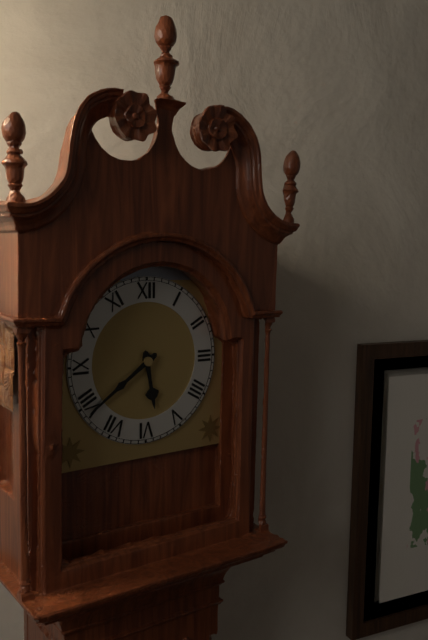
5:39
